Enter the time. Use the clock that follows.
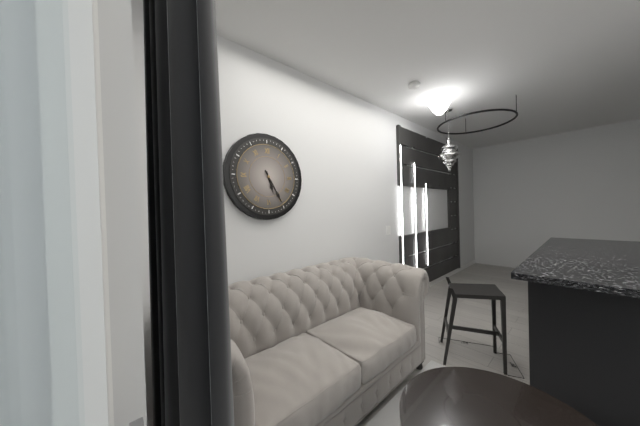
5:25
